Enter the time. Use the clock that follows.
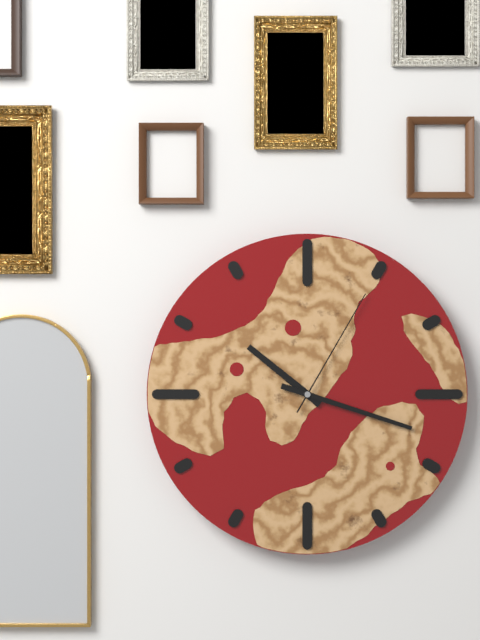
10:18:05
